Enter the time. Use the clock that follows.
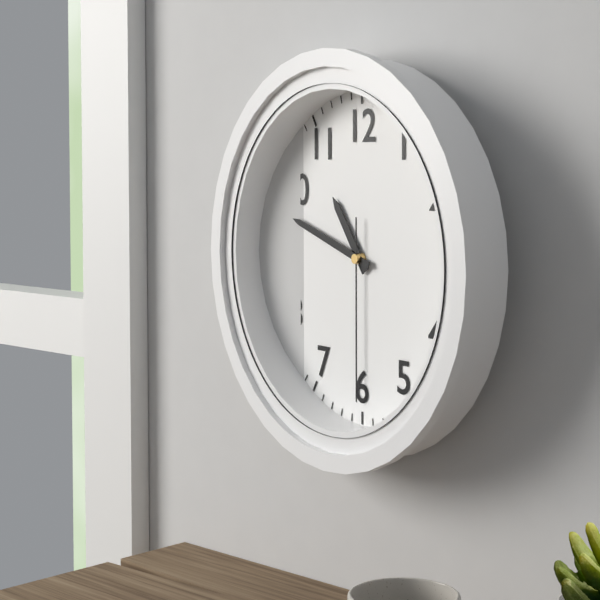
10:48:30
